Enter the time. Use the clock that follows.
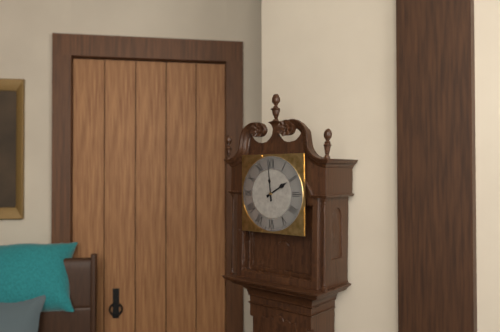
1:59
